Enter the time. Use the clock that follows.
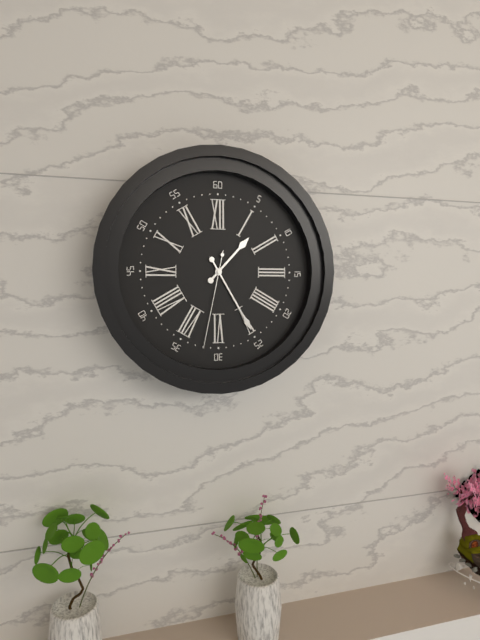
1:25:32
